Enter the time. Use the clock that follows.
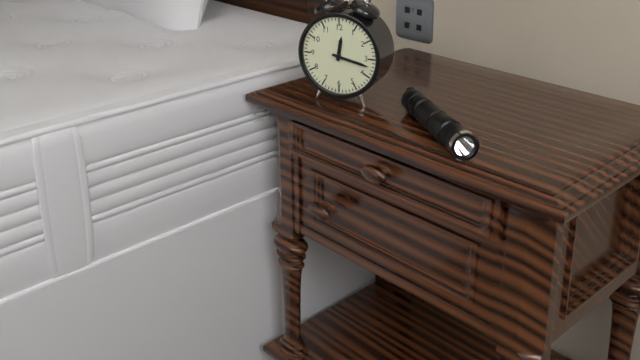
12:17
